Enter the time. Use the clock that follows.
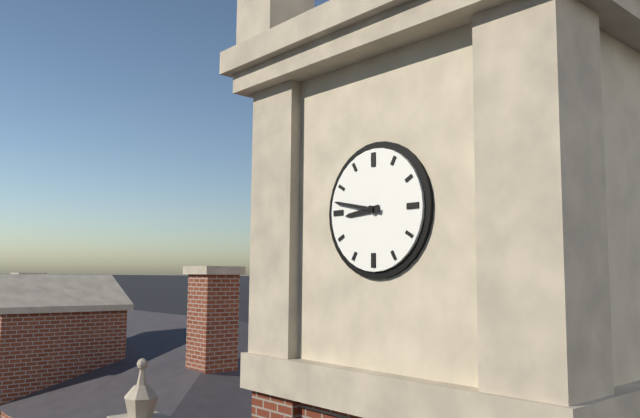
8:47
